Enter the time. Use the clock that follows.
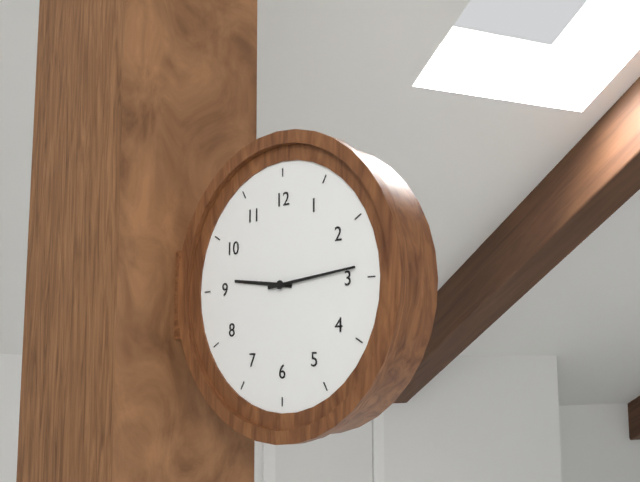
9:14
